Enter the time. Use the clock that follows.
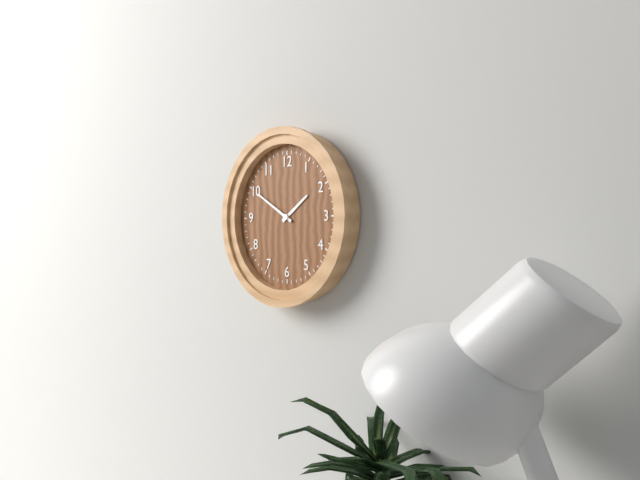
1:50
